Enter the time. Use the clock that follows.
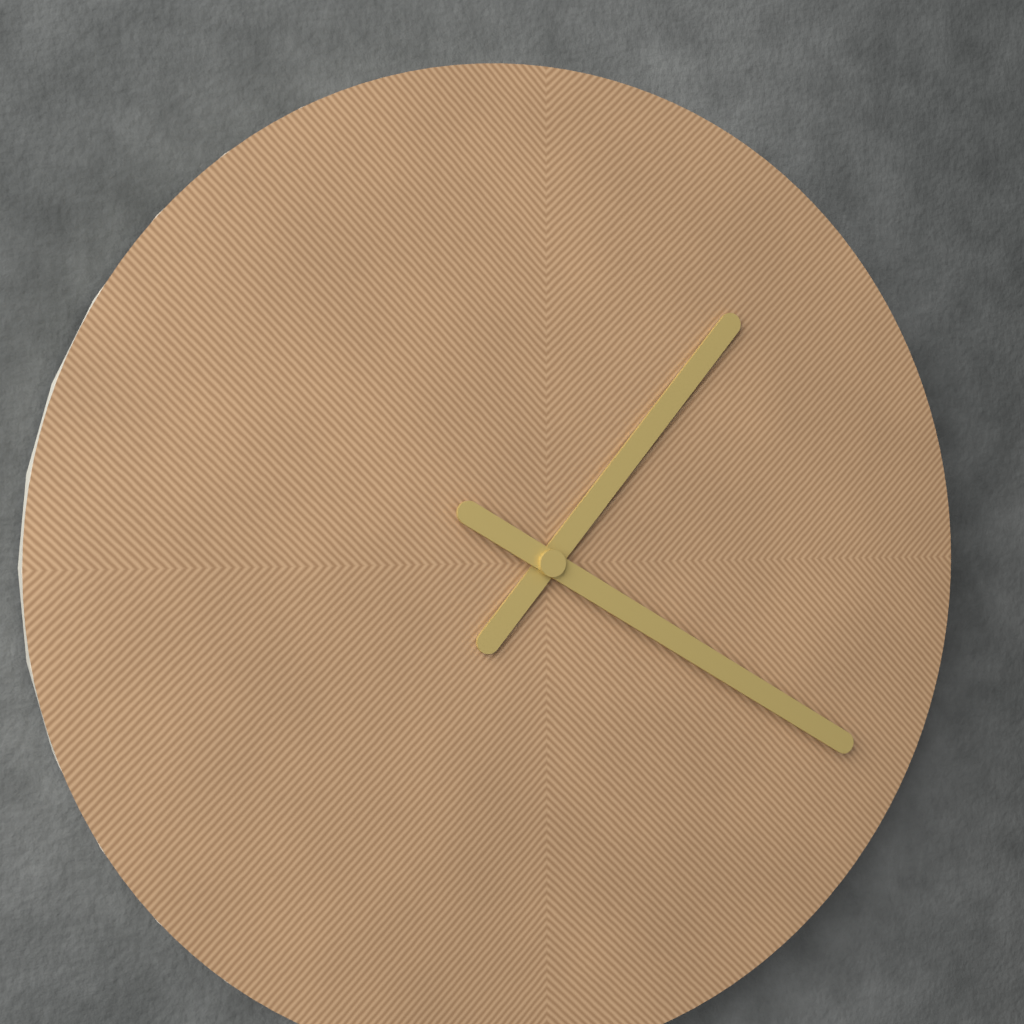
1:20
